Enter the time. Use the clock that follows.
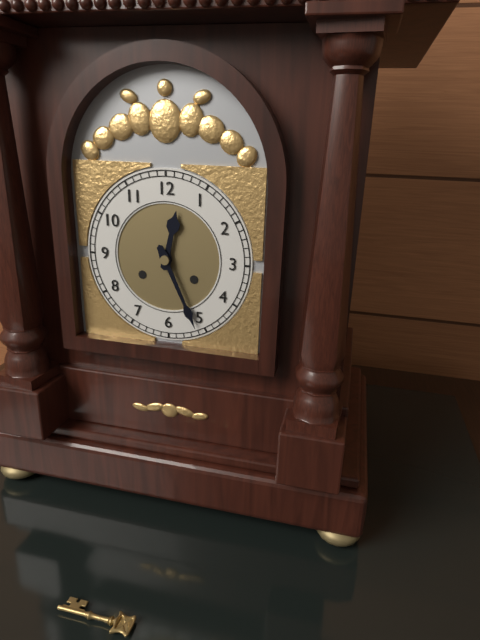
12:26
